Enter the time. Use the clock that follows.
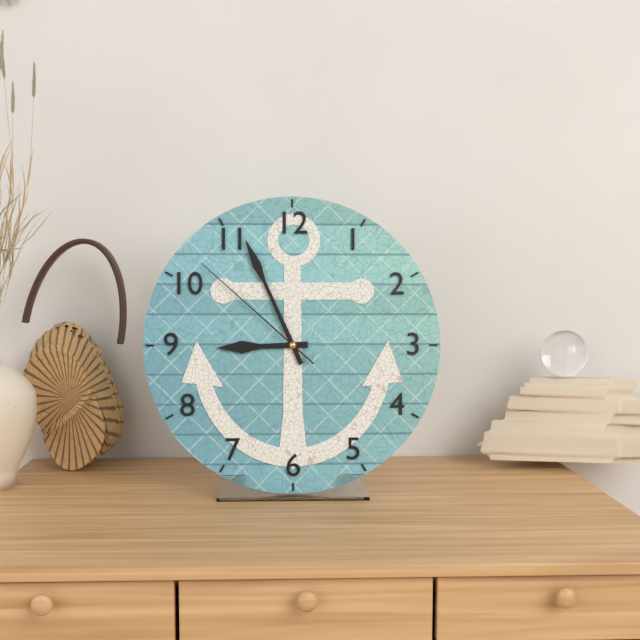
8:56:52
